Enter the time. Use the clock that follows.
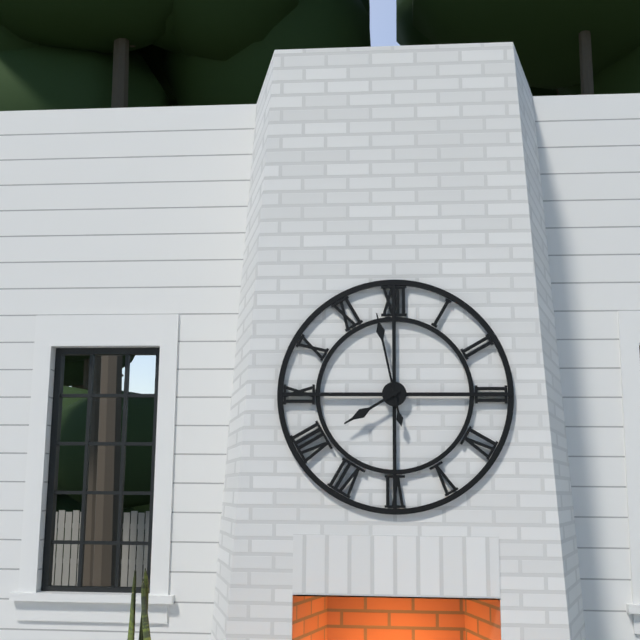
7:58
